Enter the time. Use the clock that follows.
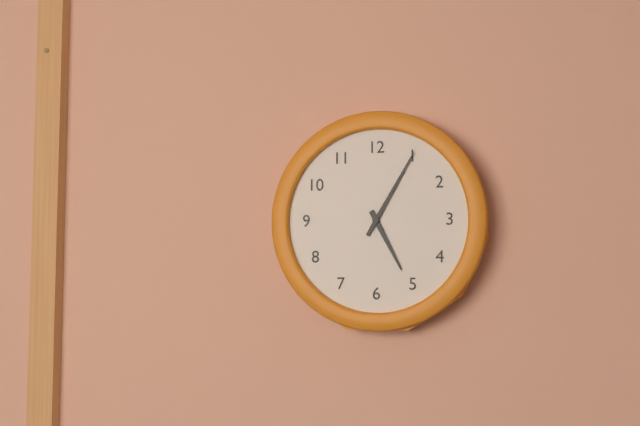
5:05
